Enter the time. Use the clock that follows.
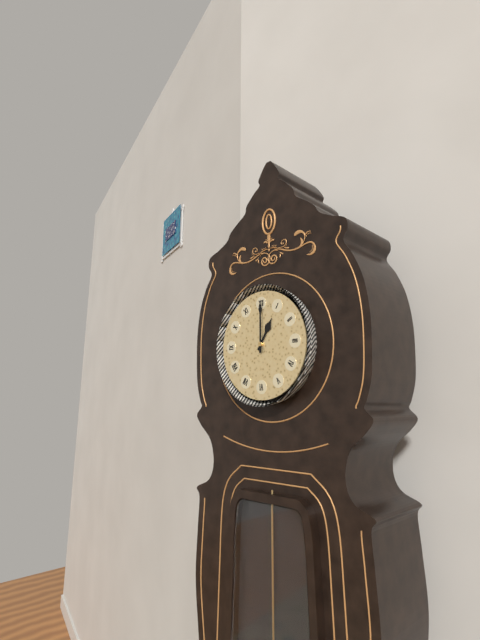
1:00
